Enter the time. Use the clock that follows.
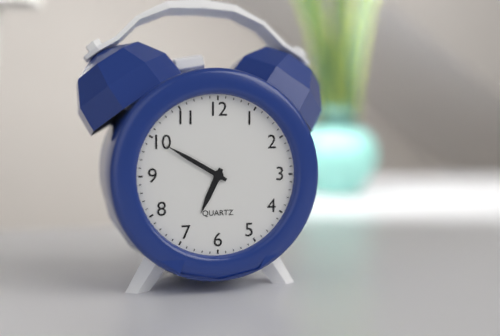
6:50
